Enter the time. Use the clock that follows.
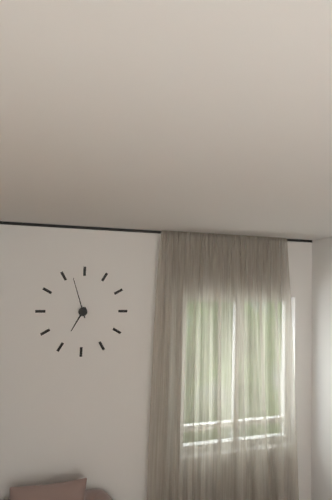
6:57
